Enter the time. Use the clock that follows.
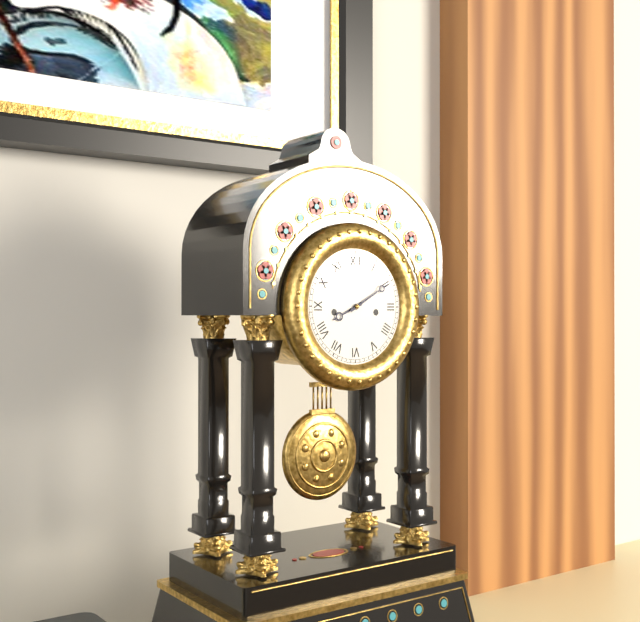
8:10
